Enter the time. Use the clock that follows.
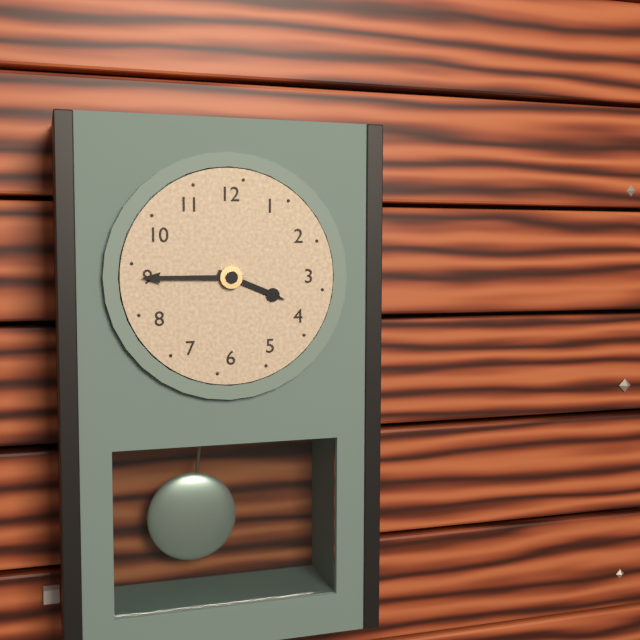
3:45
